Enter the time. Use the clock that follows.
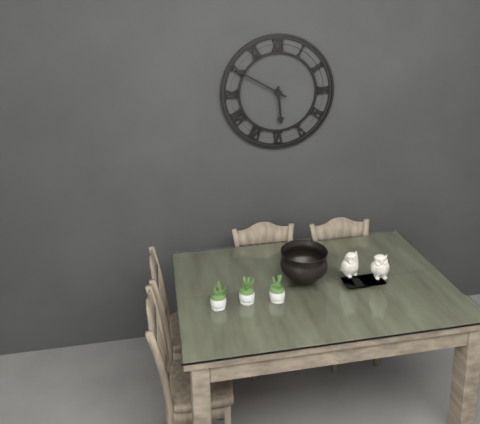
5:50
